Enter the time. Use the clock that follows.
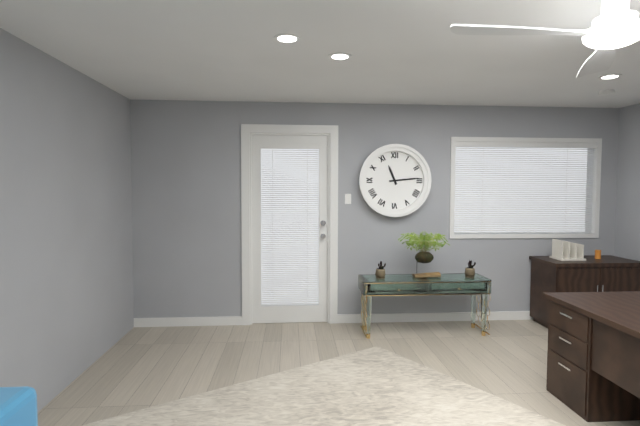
11:14
